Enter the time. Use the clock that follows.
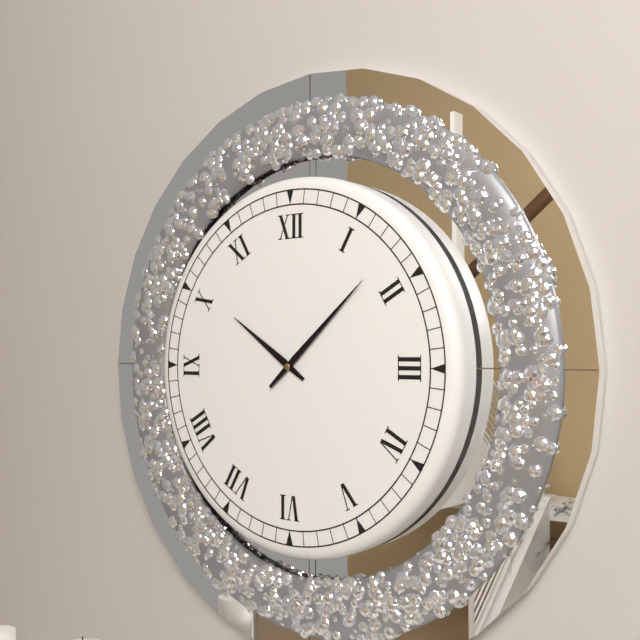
10:08
